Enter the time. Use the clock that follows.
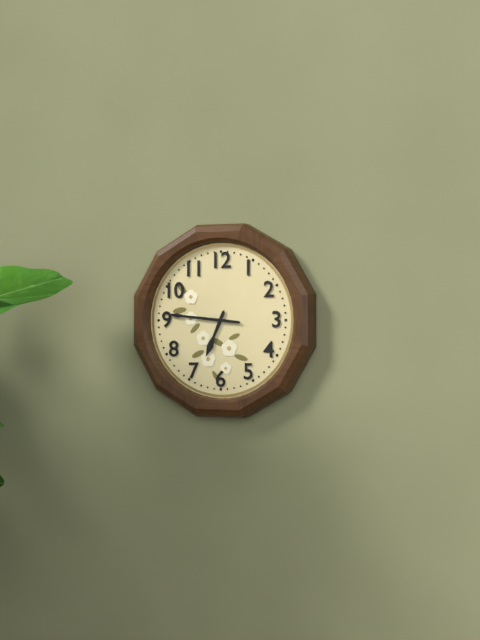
6:46
